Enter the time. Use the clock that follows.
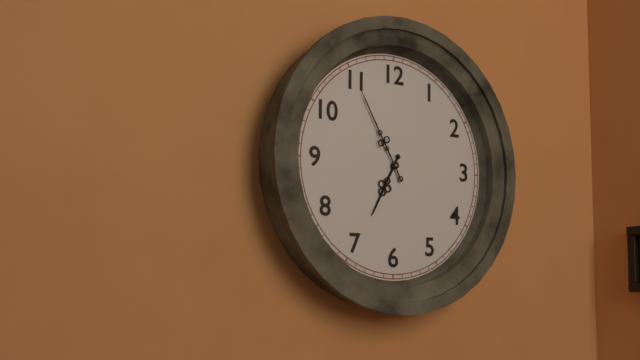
6:55
